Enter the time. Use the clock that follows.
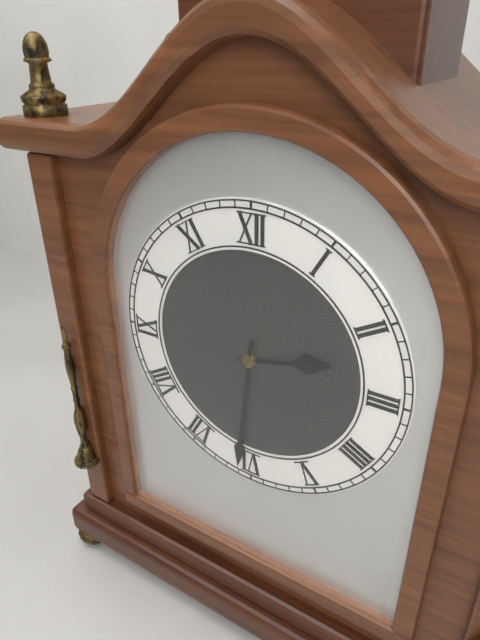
2:31
